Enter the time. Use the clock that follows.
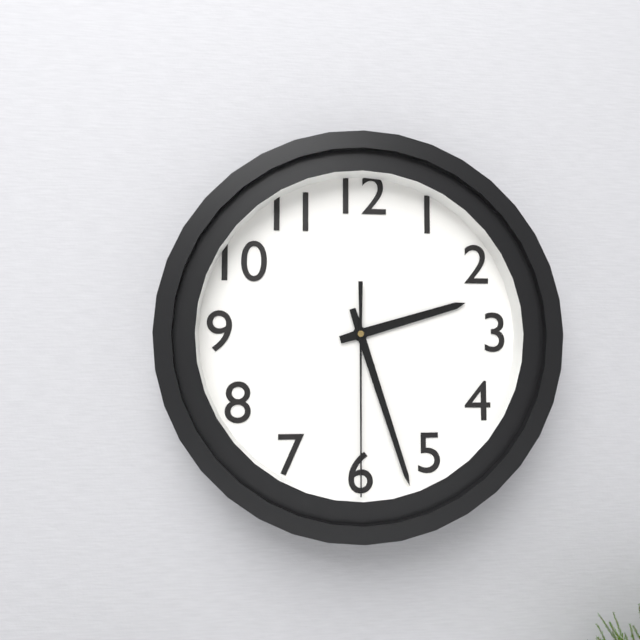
2:27:30
